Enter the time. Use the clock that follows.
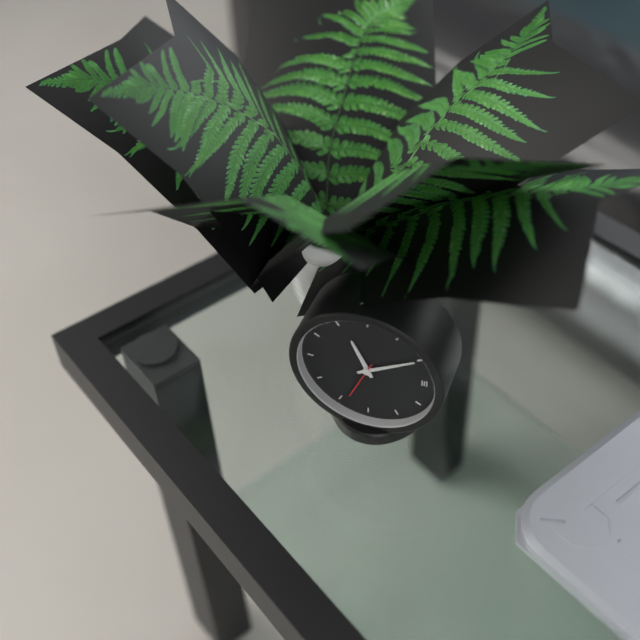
11:10:34
